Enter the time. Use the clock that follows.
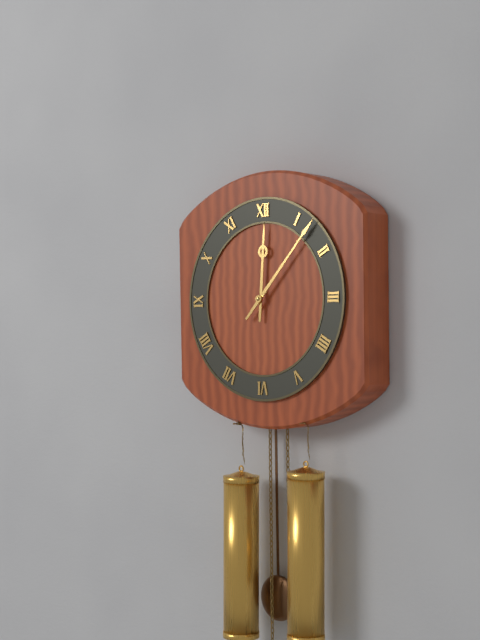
12:07
